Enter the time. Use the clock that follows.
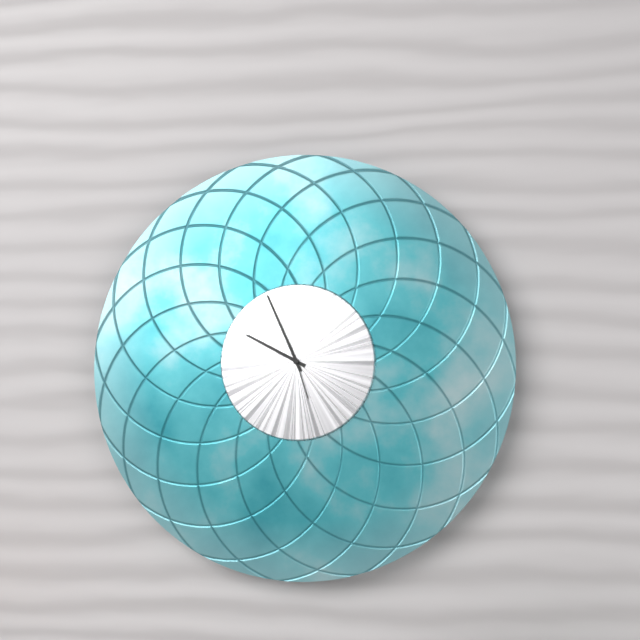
9:56
